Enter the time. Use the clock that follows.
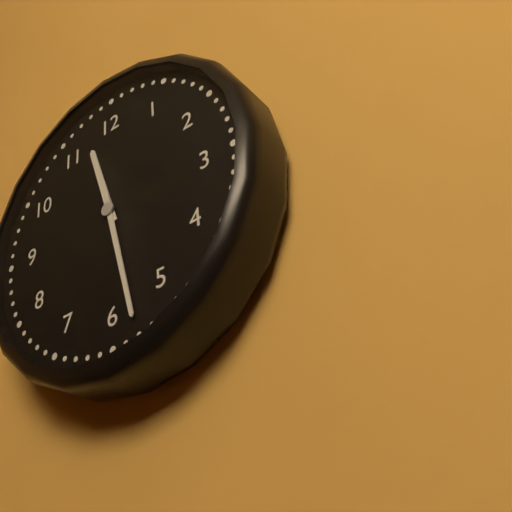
11:28
